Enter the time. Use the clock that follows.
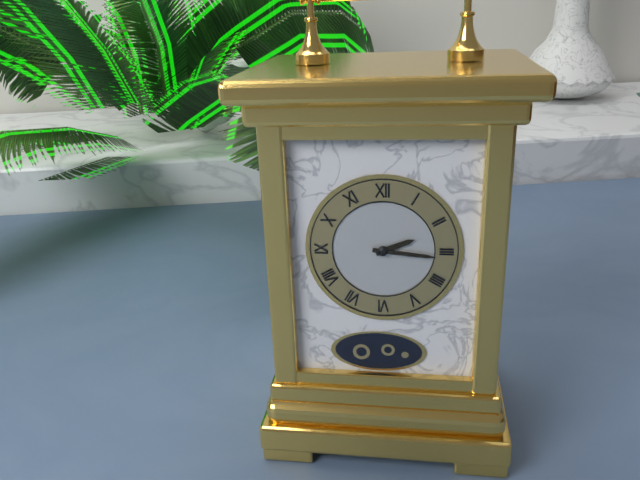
2:16
